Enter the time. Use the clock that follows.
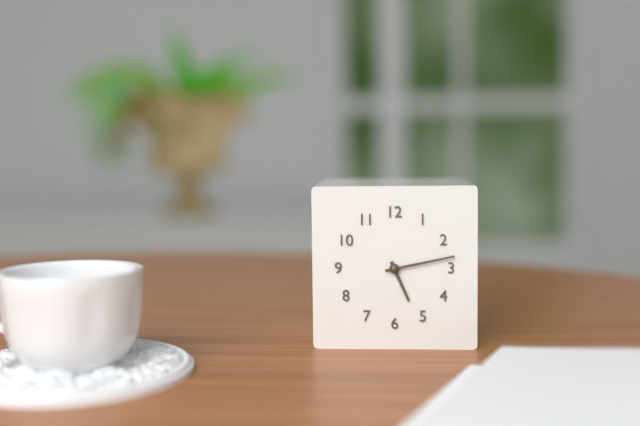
5:13
